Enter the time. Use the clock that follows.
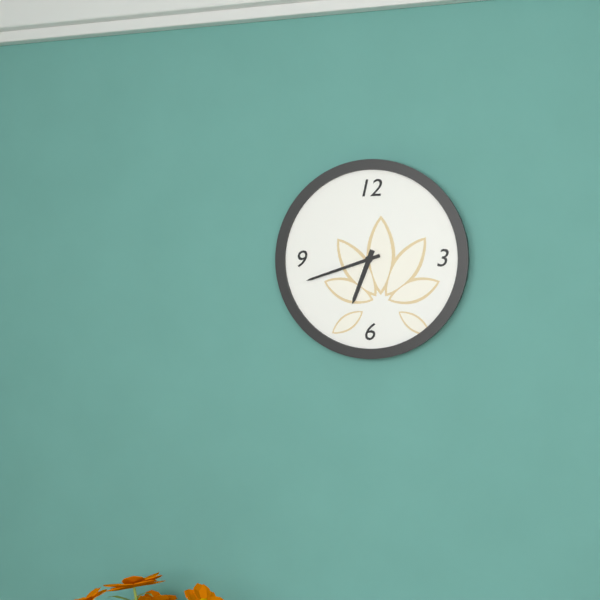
6:42
